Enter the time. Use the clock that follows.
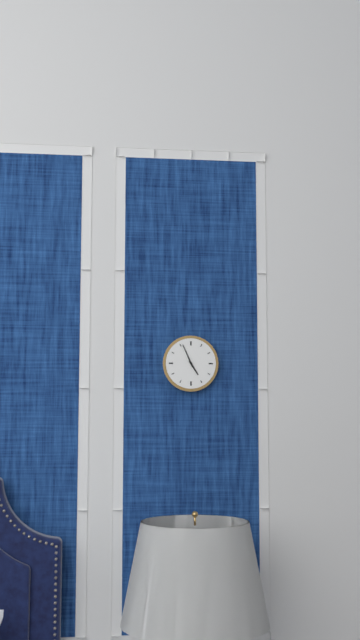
4:56
